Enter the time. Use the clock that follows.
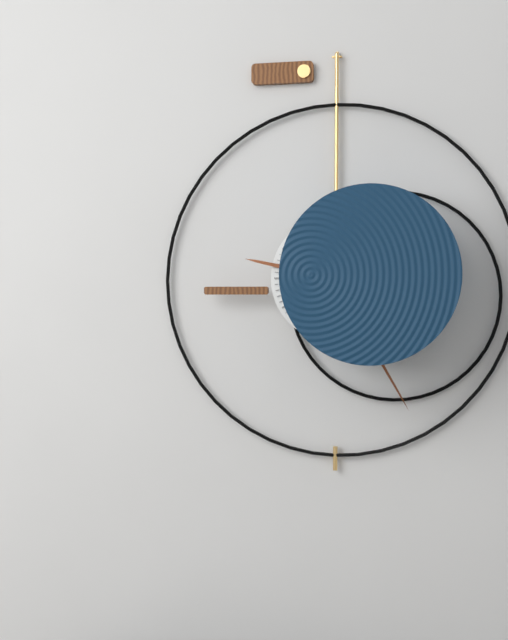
9:25
